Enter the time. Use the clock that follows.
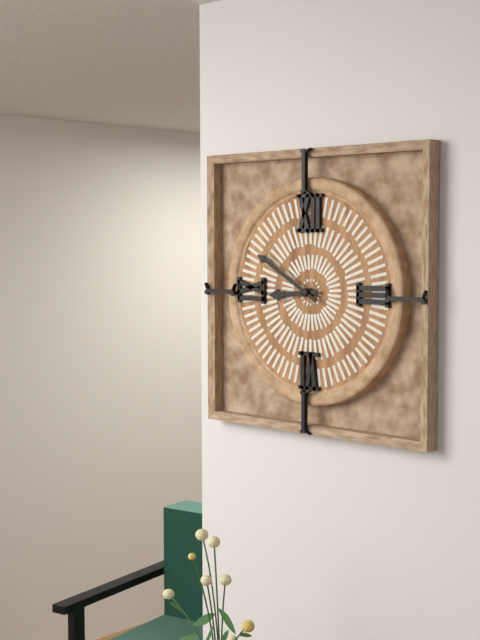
8:50
